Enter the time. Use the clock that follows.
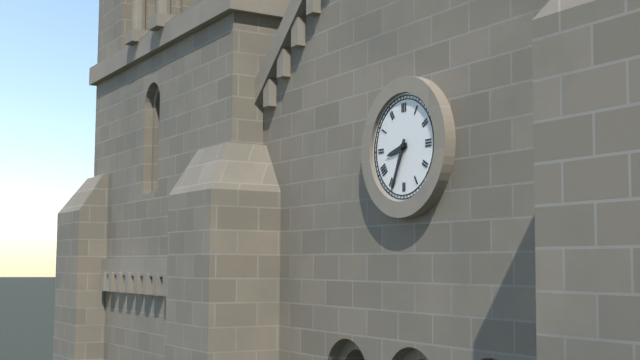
8:34
